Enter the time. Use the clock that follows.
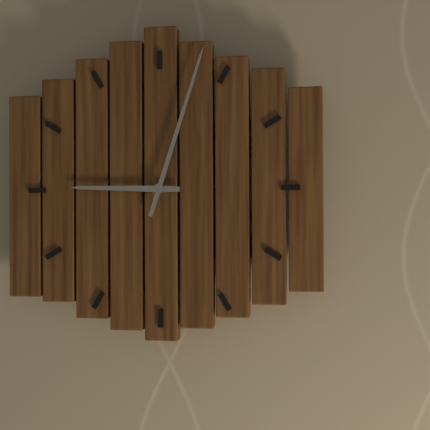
9:03
